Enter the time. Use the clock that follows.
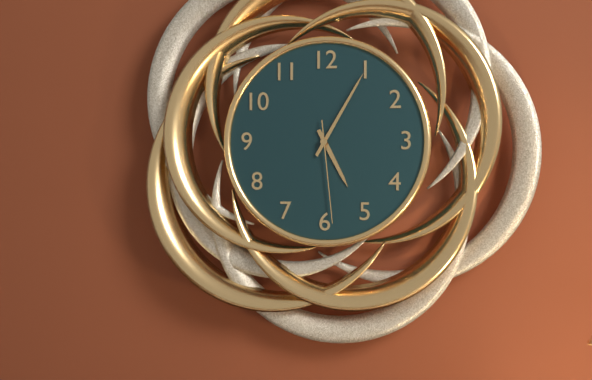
5:05:29
